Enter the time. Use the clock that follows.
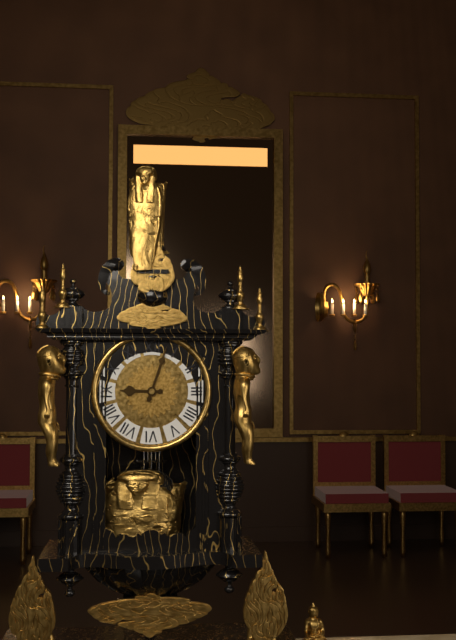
9:03
